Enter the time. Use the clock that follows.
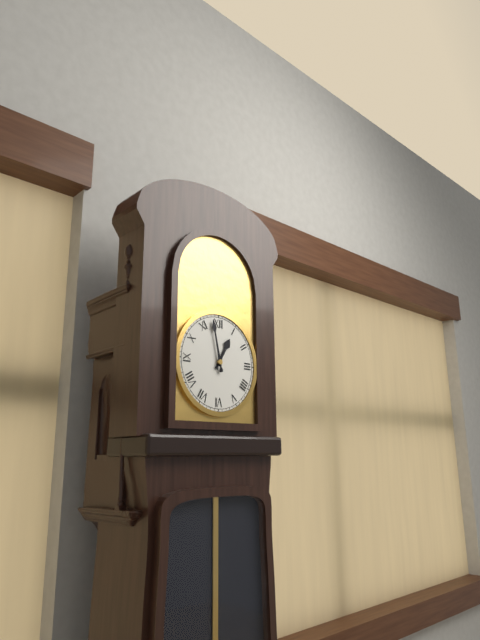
12:58
